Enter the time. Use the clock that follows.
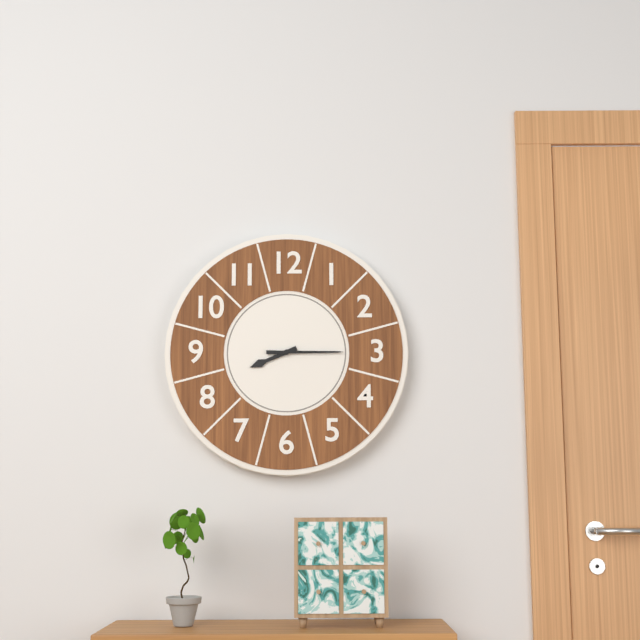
8:15
